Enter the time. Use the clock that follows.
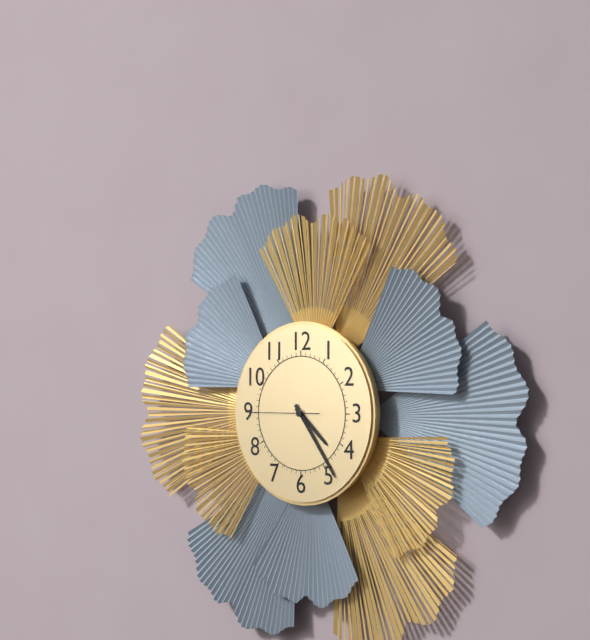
4:24:45
